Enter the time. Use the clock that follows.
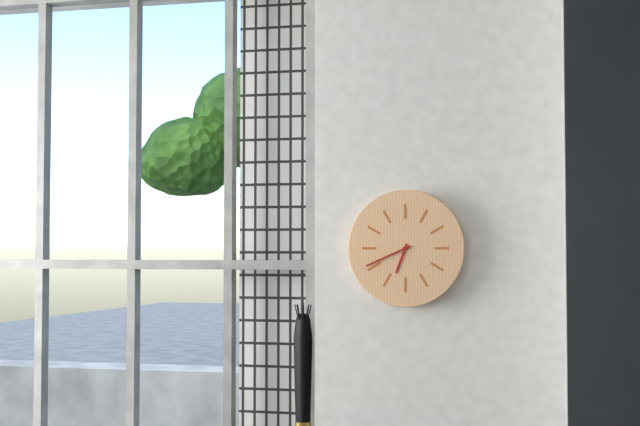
6:41
